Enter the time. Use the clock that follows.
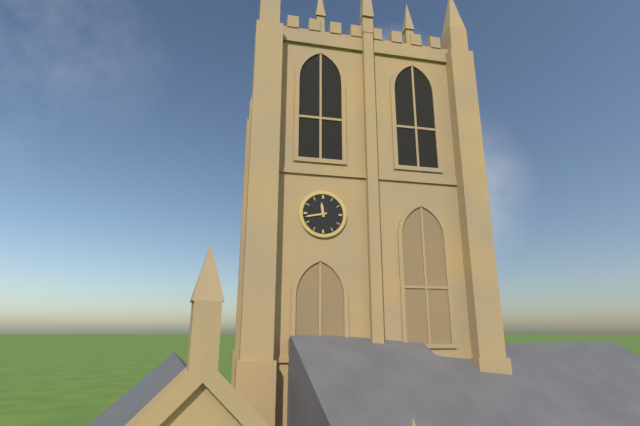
11:43
